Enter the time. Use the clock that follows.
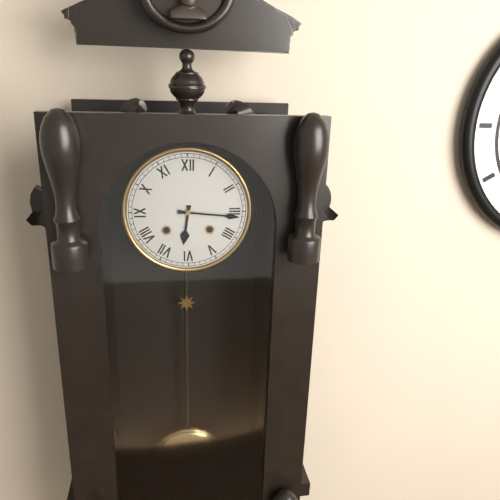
6:16
